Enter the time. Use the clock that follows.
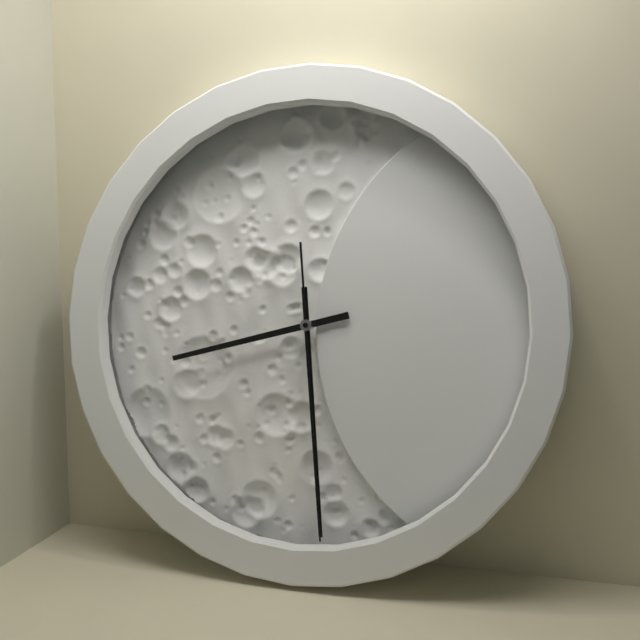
8:29:29
